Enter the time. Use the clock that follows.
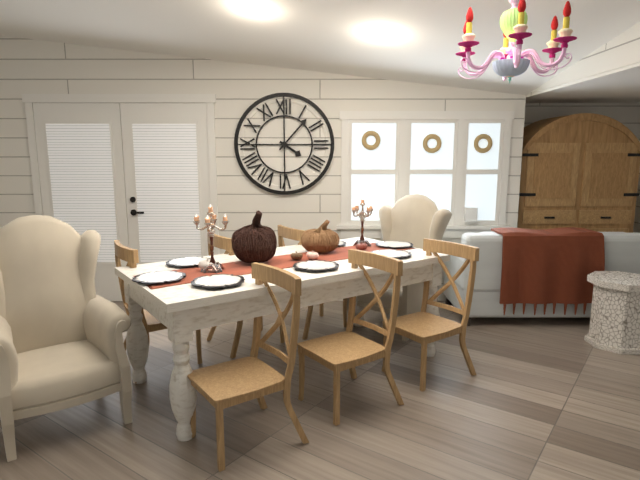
4:07
